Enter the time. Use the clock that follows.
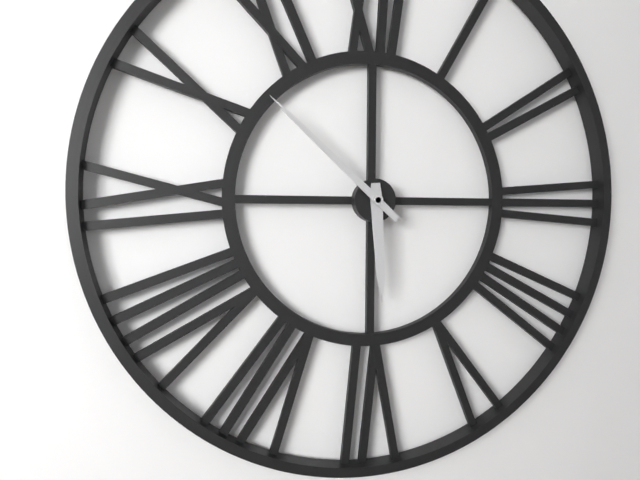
5:52
